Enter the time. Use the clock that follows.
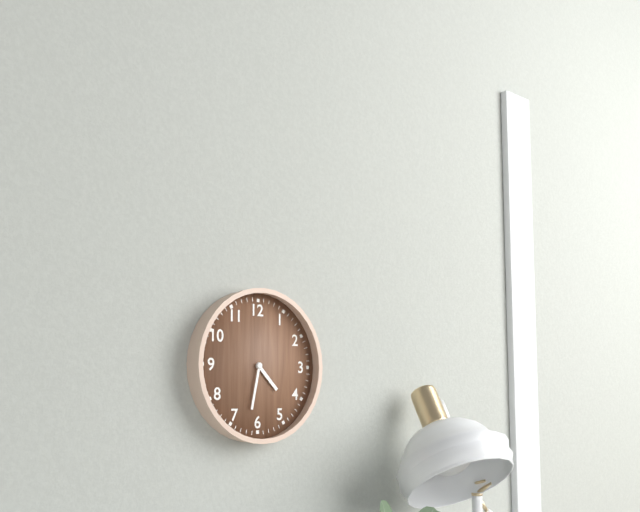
4:32
